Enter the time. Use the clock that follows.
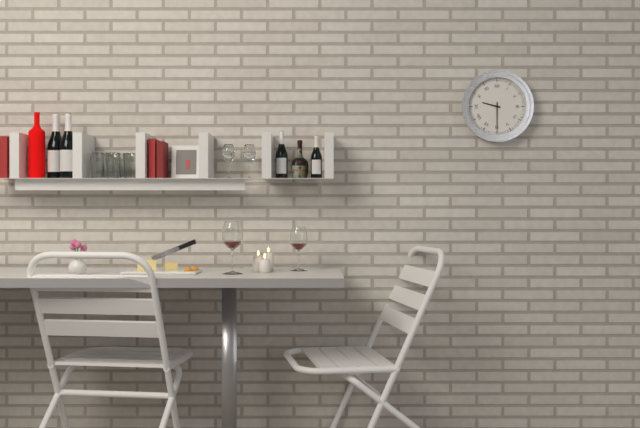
9:30
